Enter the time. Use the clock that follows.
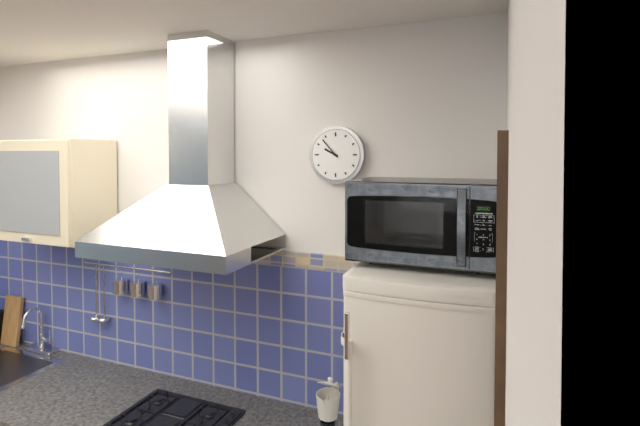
9:53
